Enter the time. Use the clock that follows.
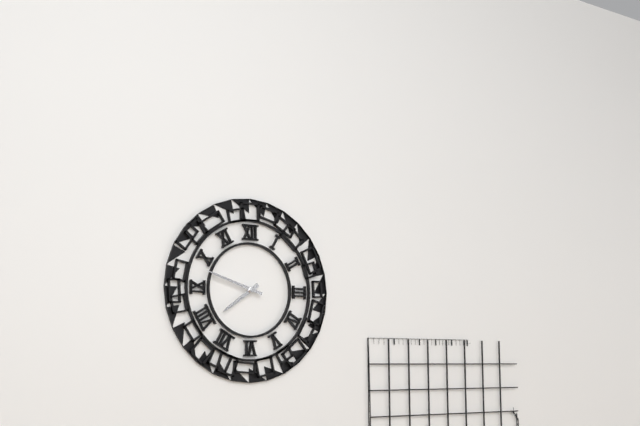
7:48
